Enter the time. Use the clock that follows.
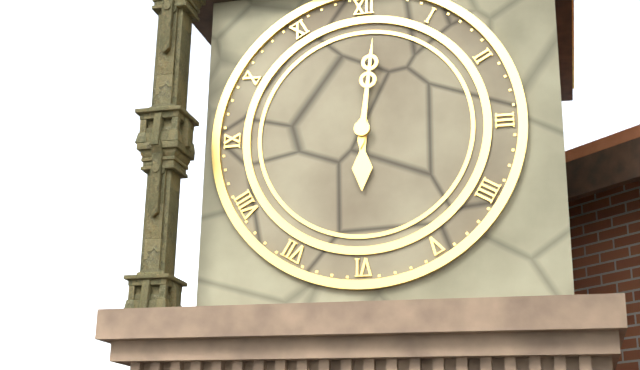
6:01
